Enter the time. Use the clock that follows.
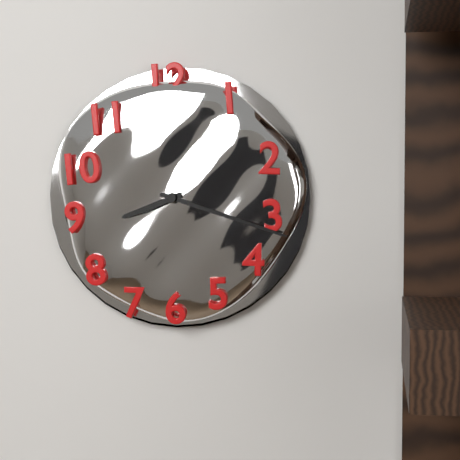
8:18
